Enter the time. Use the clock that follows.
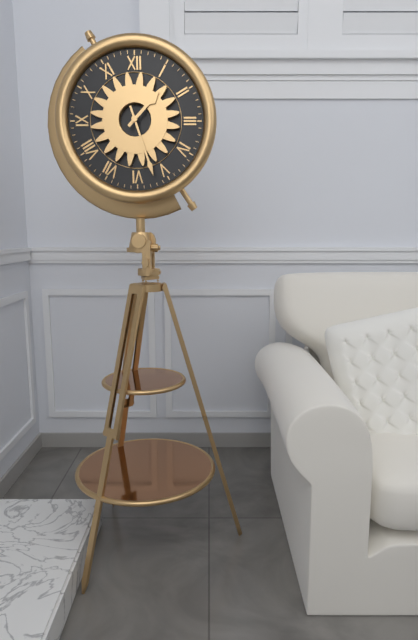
1:27
